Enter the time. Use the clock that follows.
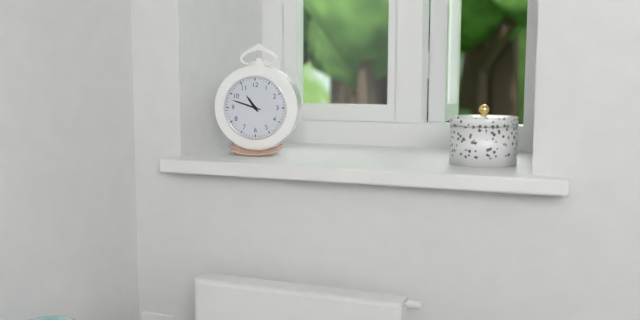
10:48
